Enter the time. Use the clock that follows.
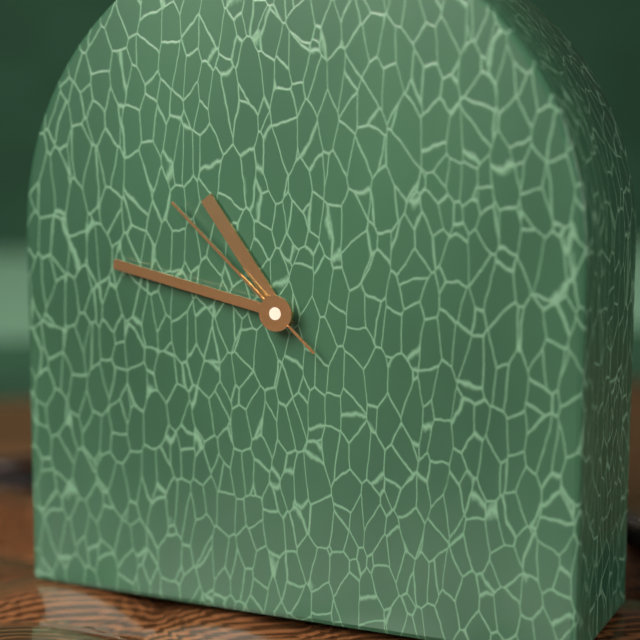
10:47:52
